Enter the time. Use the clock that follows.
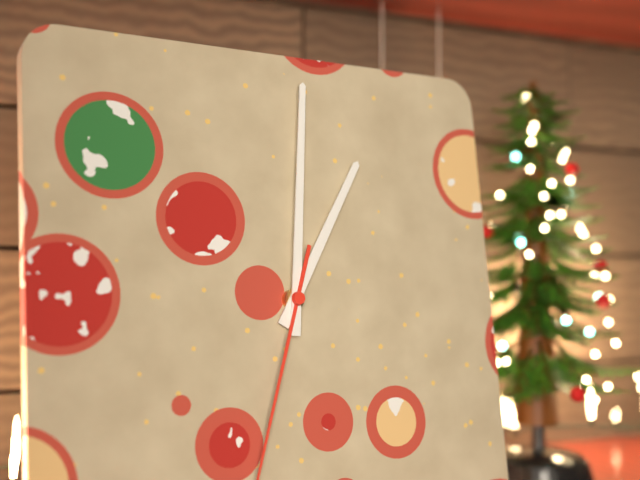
1:01
